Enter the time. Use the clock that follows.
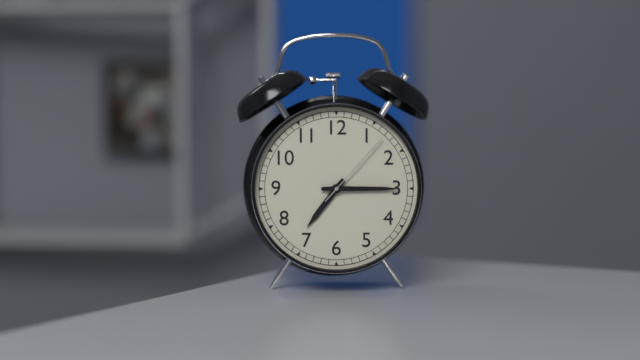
7:15:07
